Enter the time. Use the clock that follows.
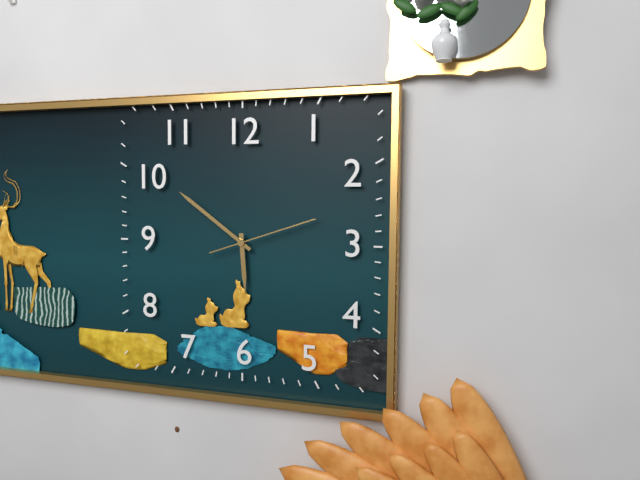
5:51:12
